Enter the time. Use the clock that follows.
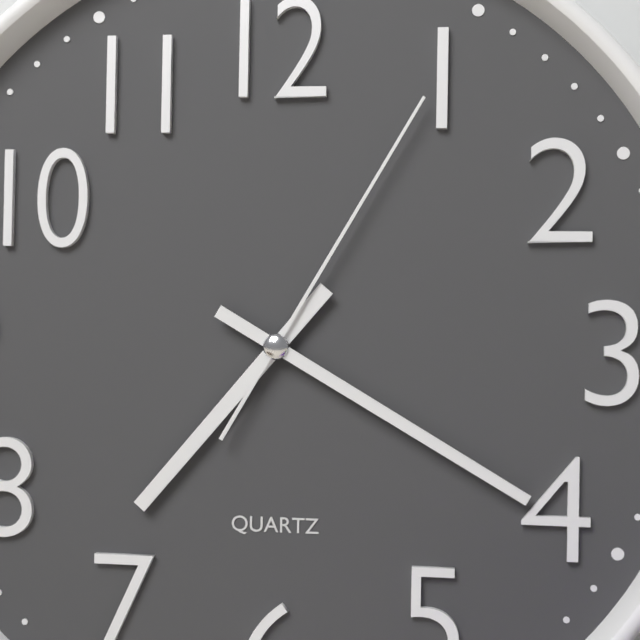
7:20:05
